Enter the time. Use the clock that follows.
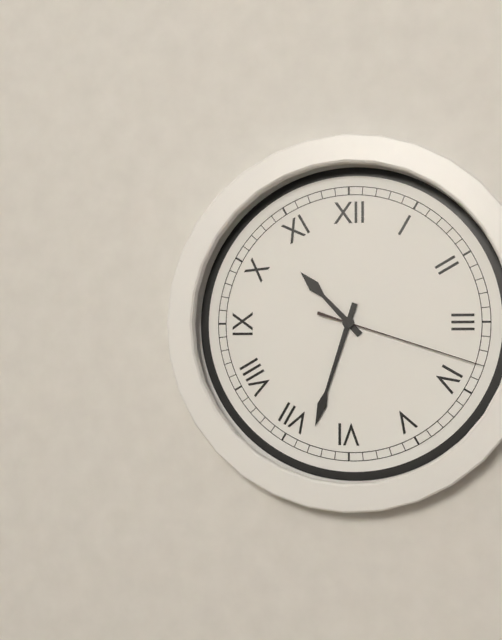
10:33:18
